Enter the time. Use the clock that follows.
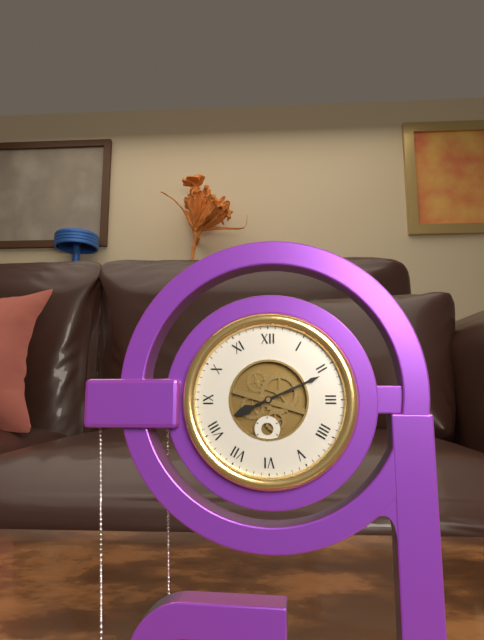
8:11
